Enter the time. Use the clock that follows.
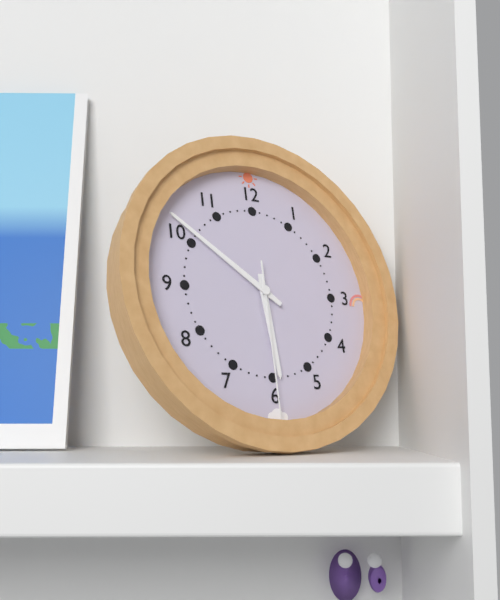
5:51:30
